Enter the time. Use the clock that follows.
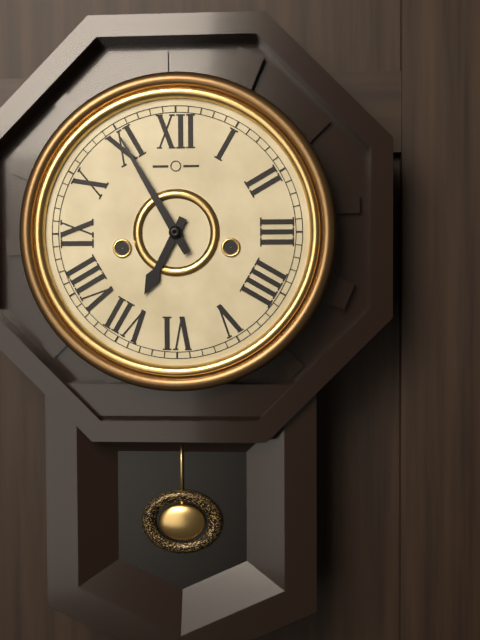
6:55
